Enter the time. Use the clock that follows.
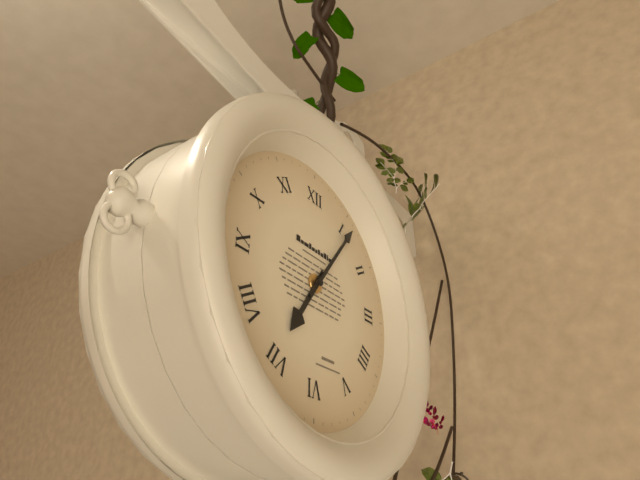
7:06
